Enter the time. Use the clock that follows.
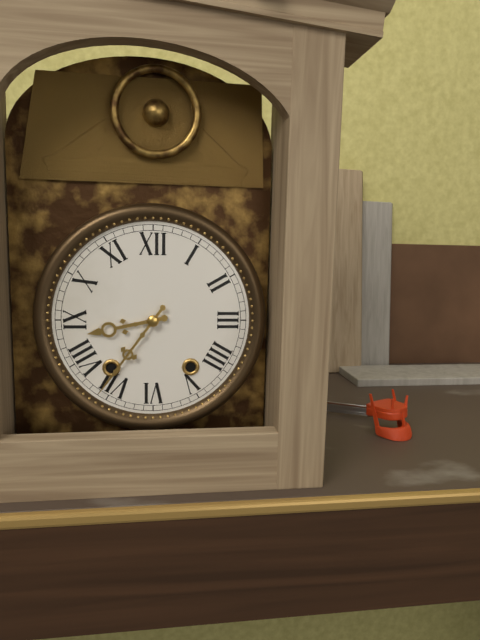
8:36
